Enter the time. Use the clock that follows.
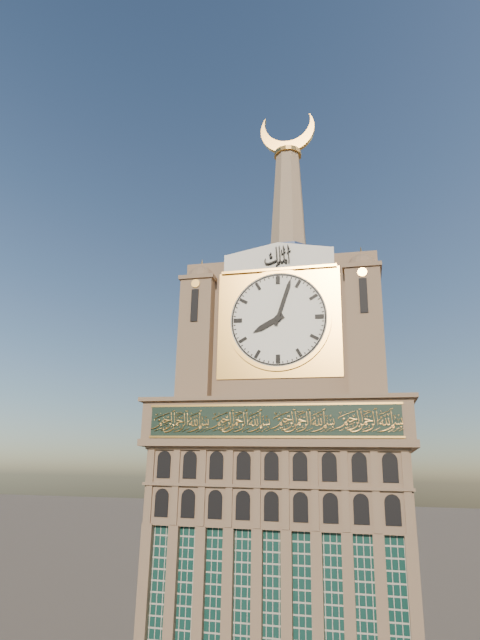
8:03
